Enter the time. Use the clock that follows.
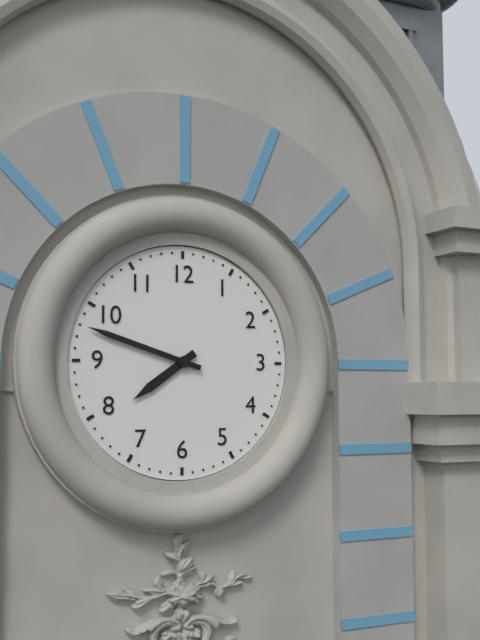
7:48
